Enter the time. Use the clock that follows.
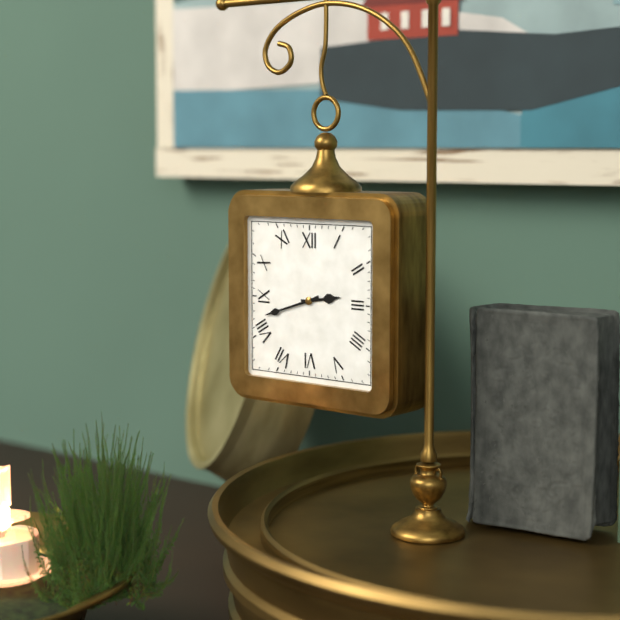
2:42
